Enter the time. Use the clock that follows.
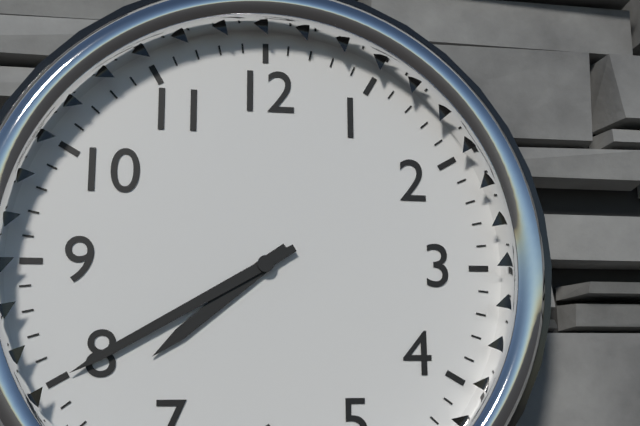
7:40
